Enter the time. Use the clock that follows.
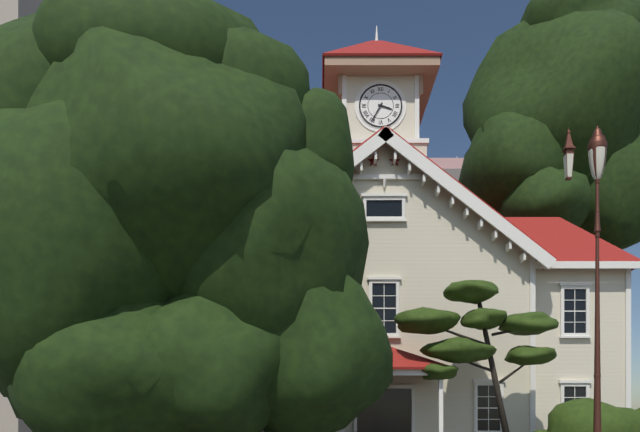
3:35
